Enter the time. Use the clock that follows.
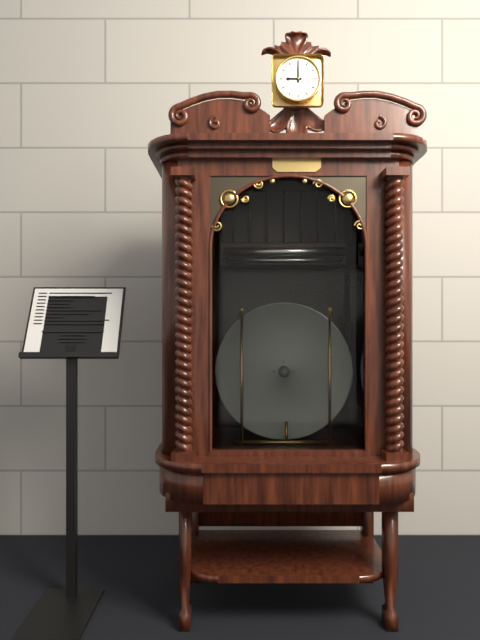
9:00
